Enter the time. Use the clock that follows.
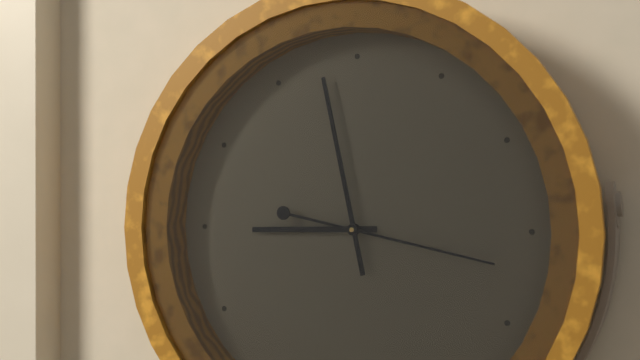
8:58:17
